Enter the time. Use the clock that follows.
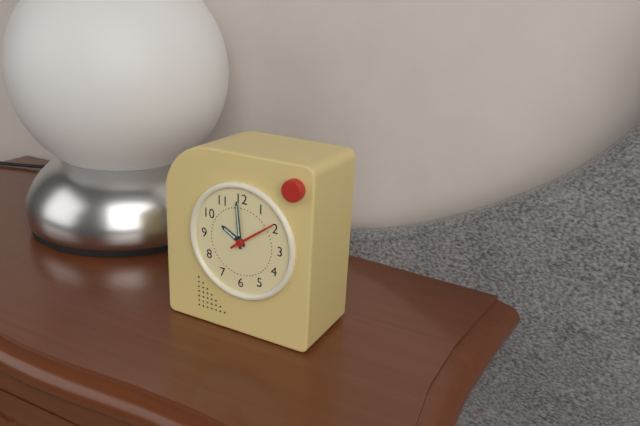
9:59
